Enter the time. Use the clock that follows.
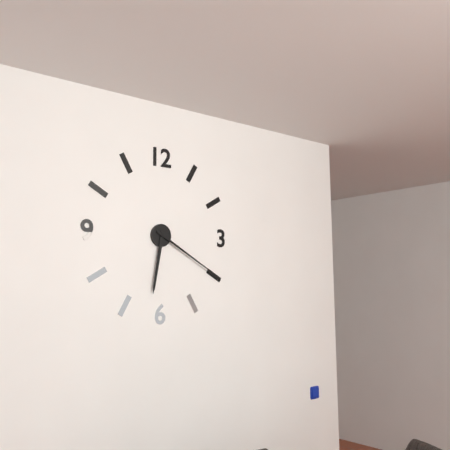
6:20
